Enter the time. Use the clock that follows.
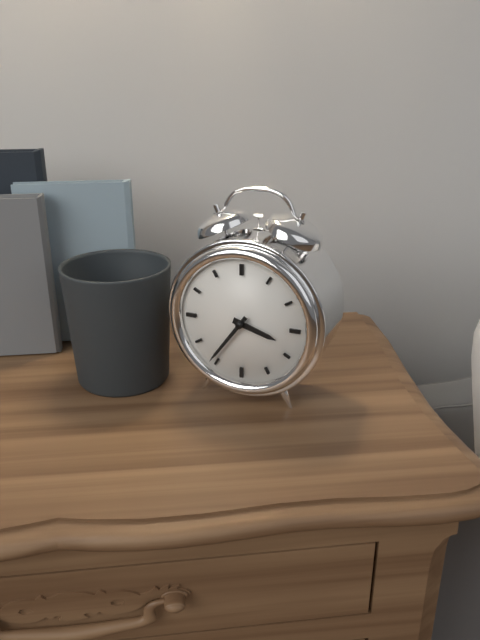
3:36
